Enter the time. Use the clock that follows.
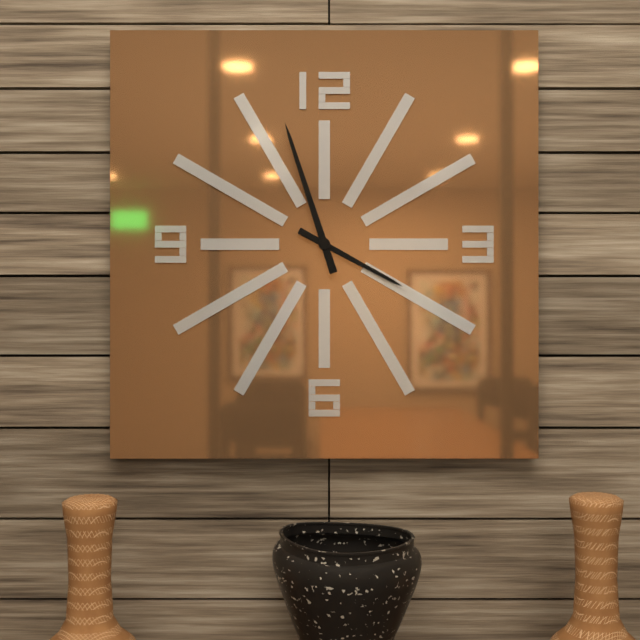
3:57
